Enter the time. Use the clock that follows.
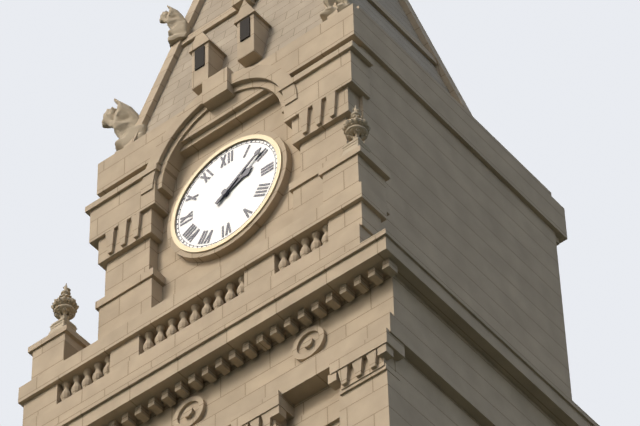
2:09
